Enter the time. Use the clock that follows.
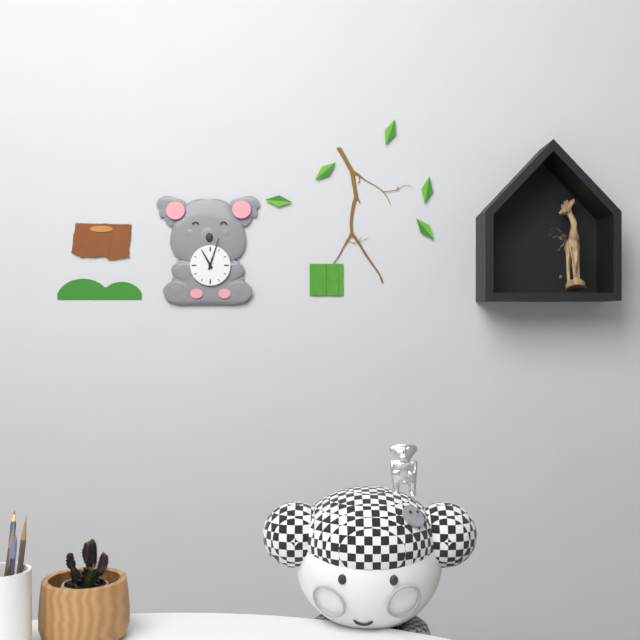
11:03
